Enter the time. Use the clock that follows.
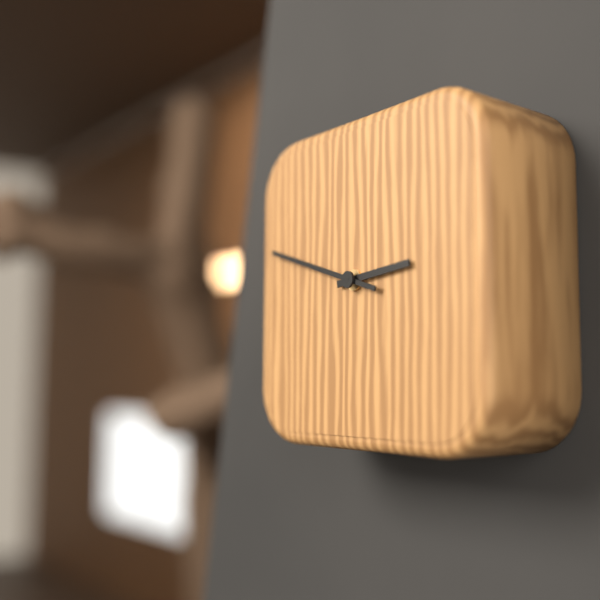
2:48
